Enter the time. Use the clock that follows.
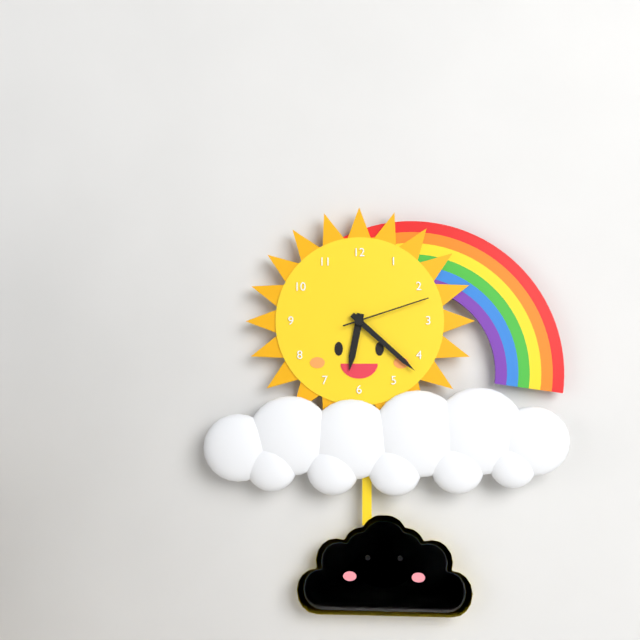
6:22:12
